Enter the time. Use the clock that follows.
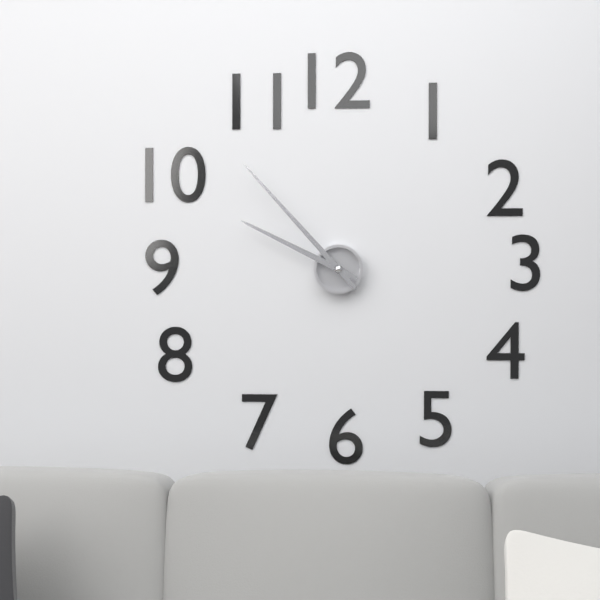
9:53
